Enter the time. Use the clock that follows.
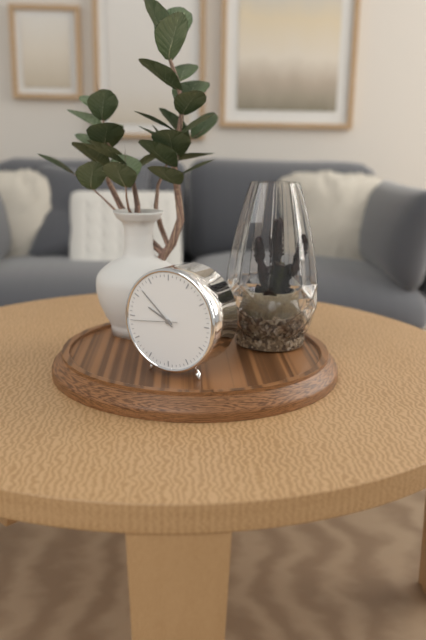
9:52
